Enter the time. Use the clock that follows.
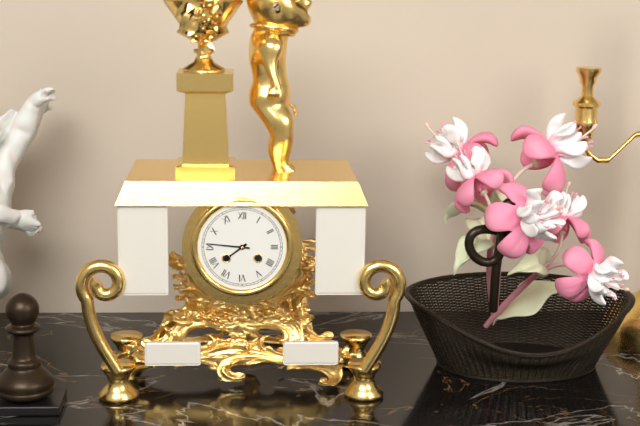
7:46
